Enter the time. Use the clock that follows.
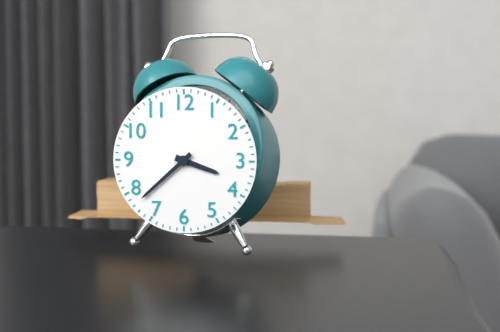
3:38
